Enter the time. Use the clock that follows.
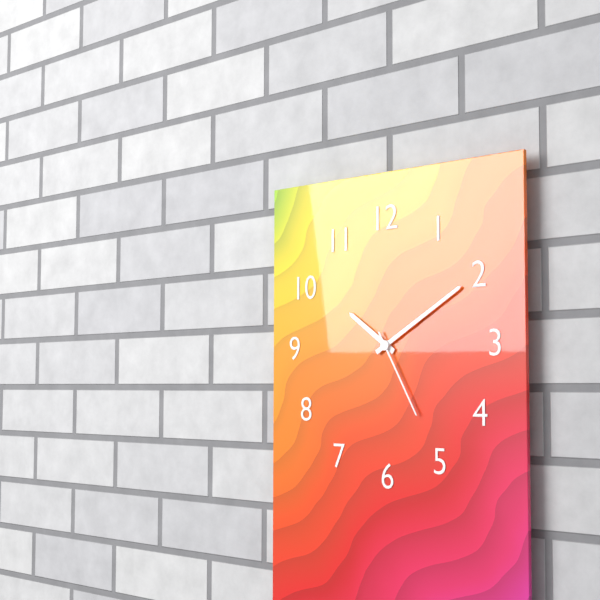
10:10:25
